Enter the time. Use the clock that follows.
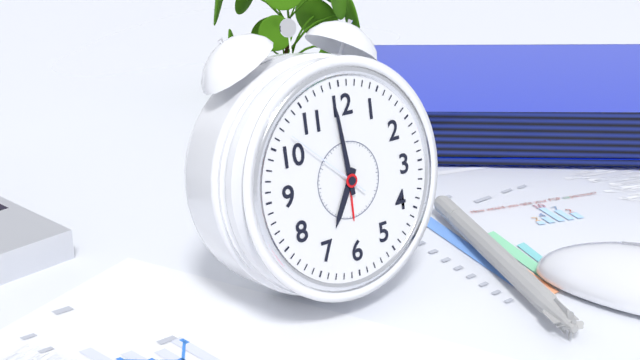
6:59:52
